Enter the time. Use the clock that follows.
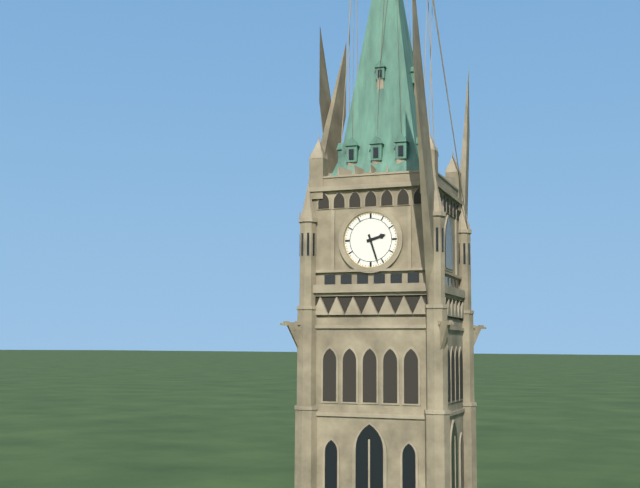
2:27
